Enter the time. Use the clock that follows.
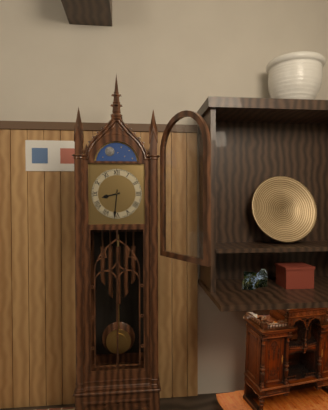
8:31
